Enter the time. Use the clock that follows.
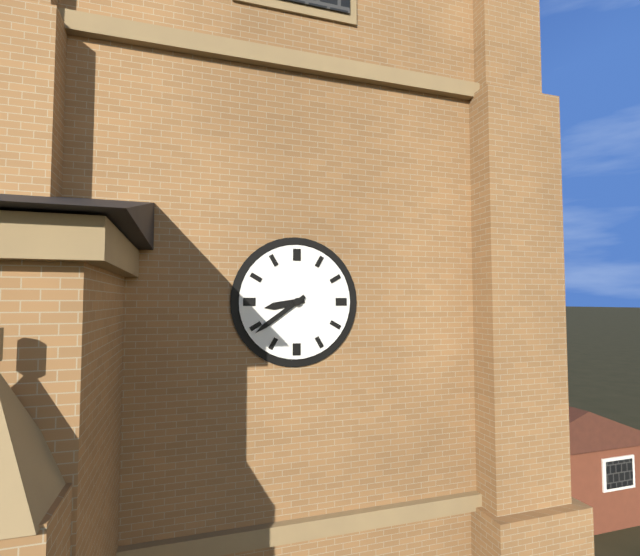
8:39
